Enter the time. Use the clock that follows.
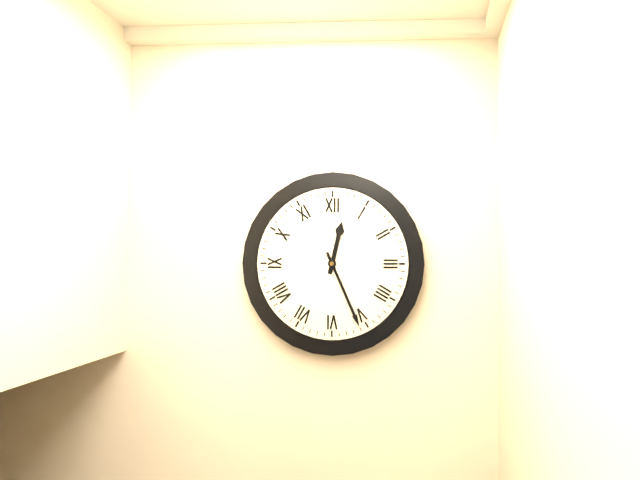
12:26
